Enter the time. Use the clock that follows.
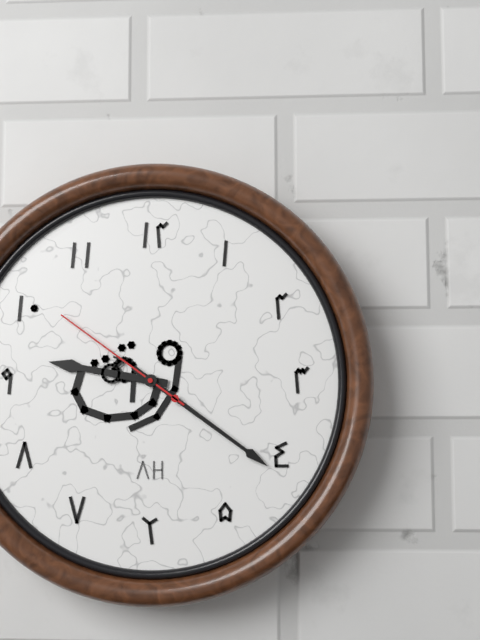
9:21:51
